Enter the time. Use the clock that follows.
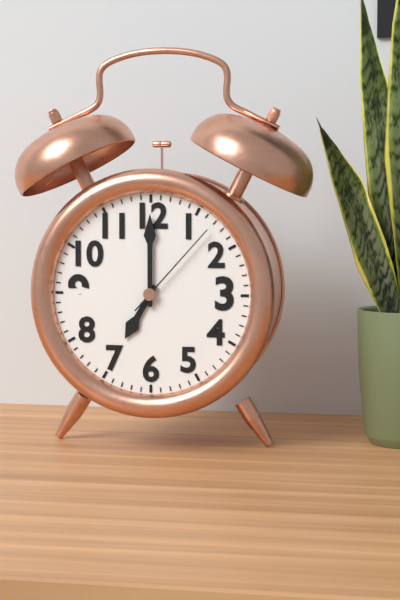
7:00:07
